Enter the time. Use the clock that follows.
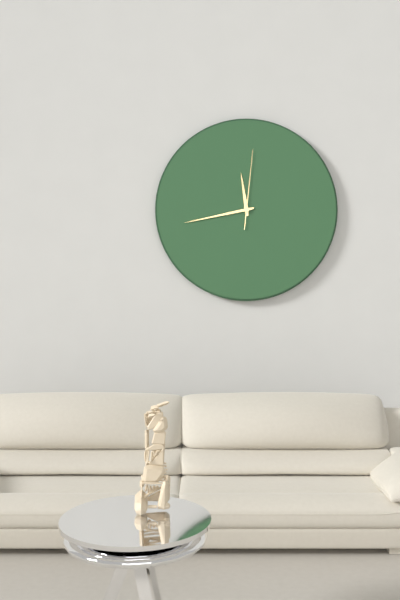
11:43:01
